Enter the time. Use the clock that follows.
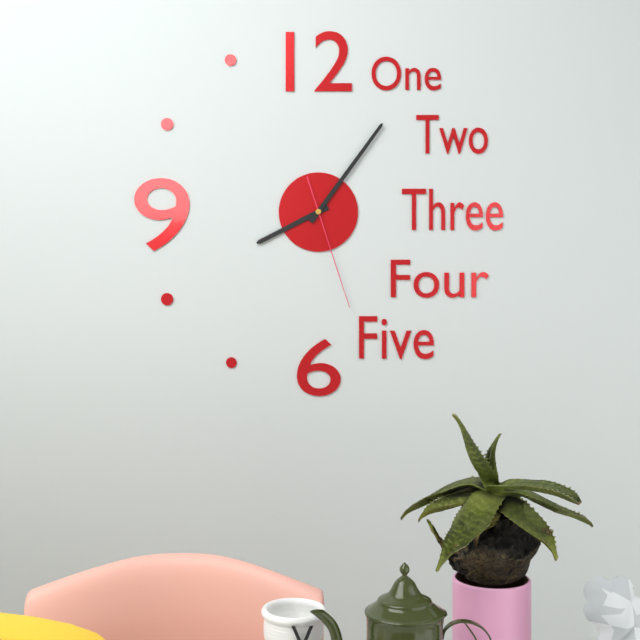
8:06:27
